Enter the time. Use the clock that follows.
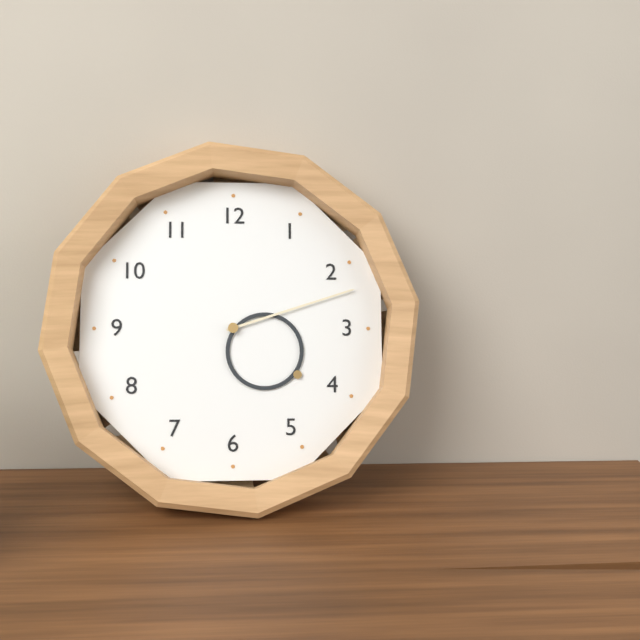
4:12
